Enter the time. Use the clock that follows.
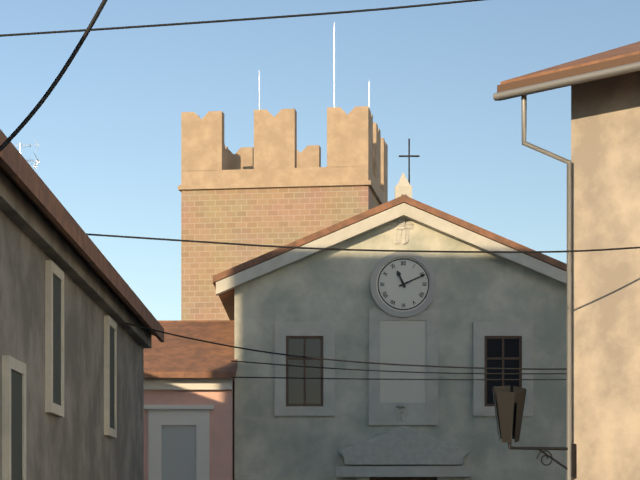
11:11
